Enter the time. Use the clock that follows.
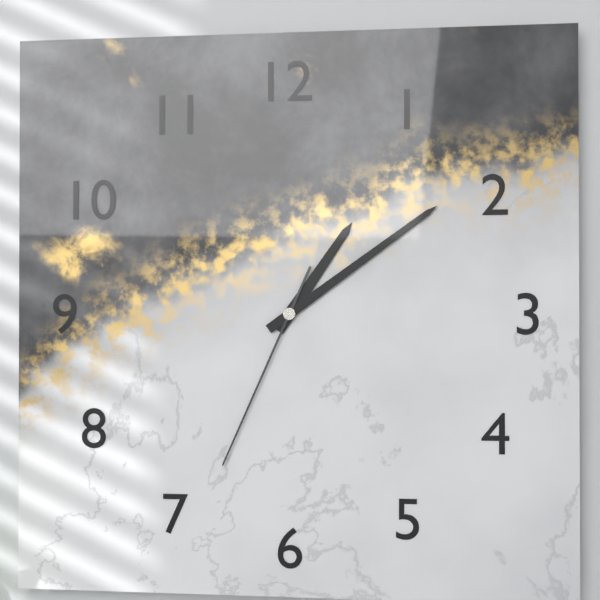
1:09:34
